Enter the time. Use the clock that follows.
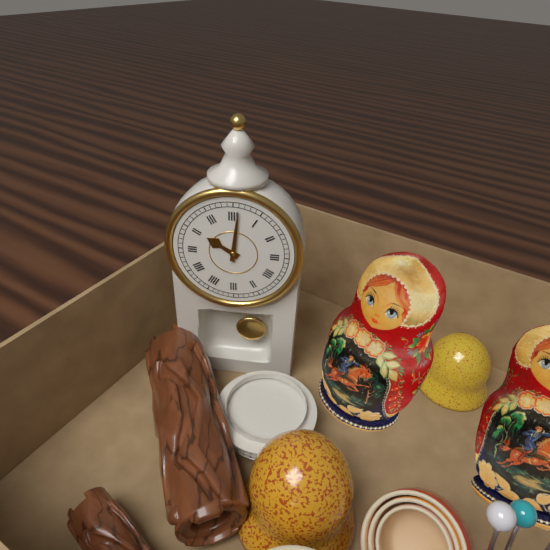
10:01
